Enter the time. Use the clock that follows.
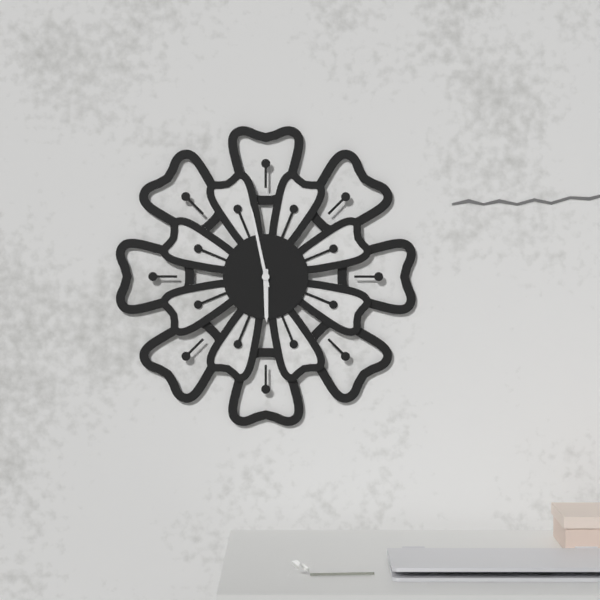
5:58
